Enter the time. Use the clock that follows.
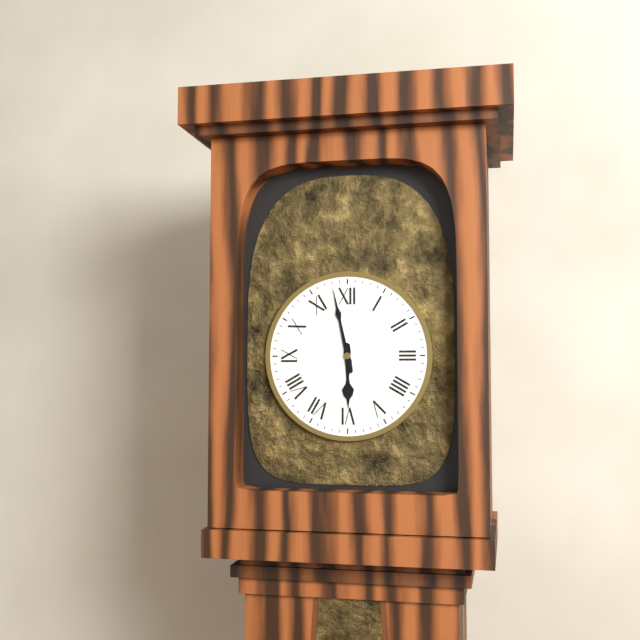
5:58
